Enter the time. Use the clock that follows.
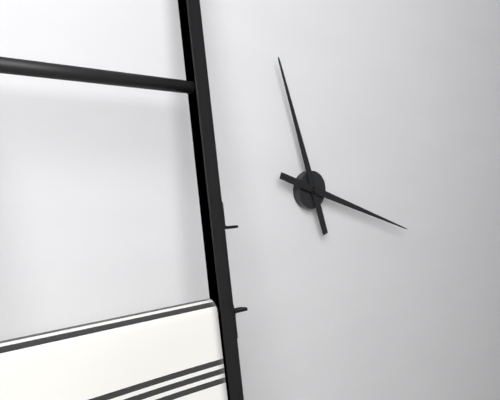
11:18
